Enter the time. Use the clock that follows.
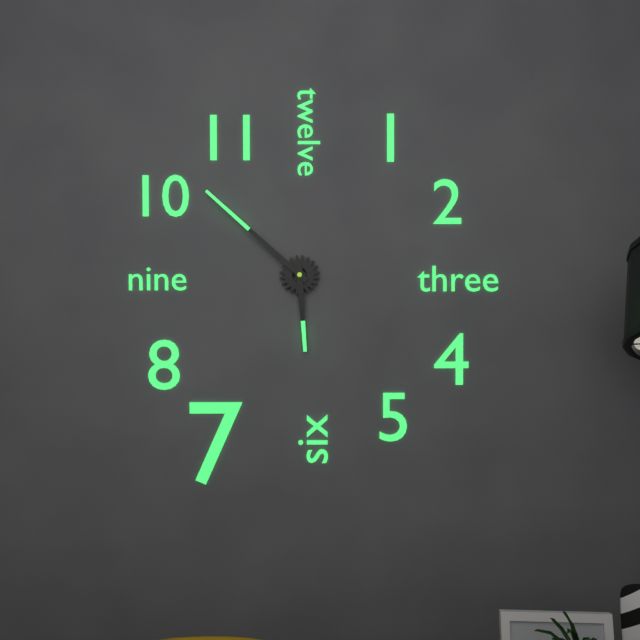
5:52
